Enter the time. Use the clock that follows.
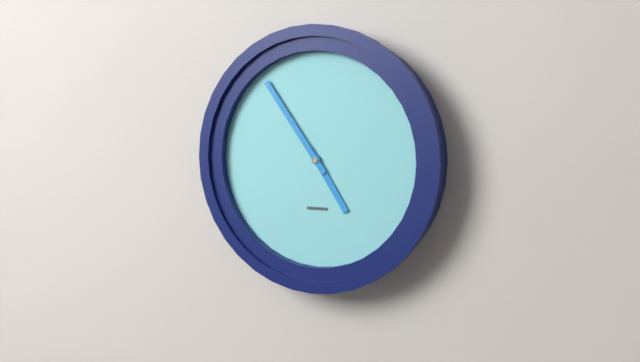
4:54
